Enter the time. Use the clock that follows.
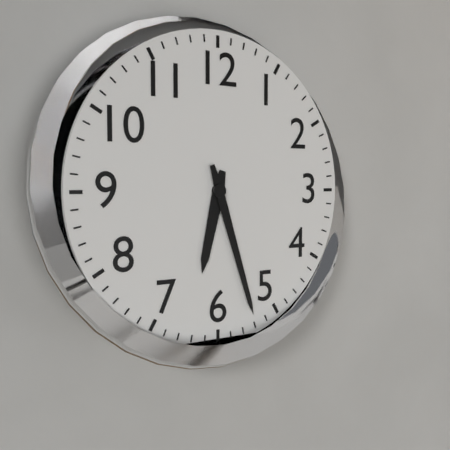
6:27
